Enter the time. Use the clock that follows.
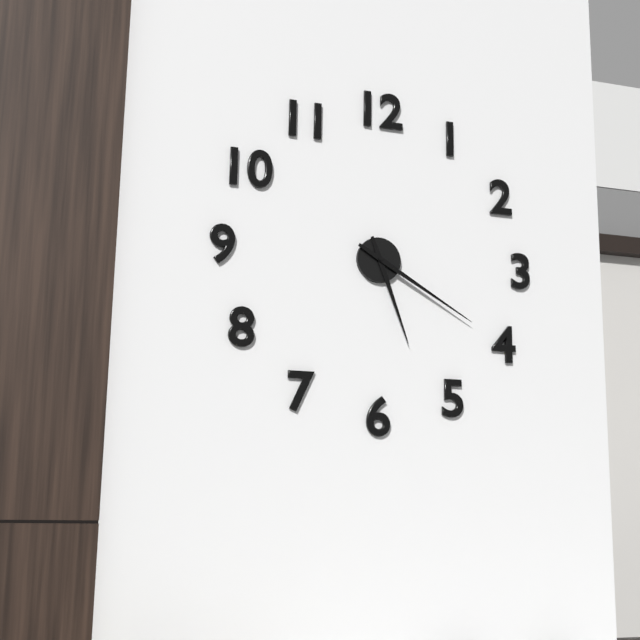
5:20
